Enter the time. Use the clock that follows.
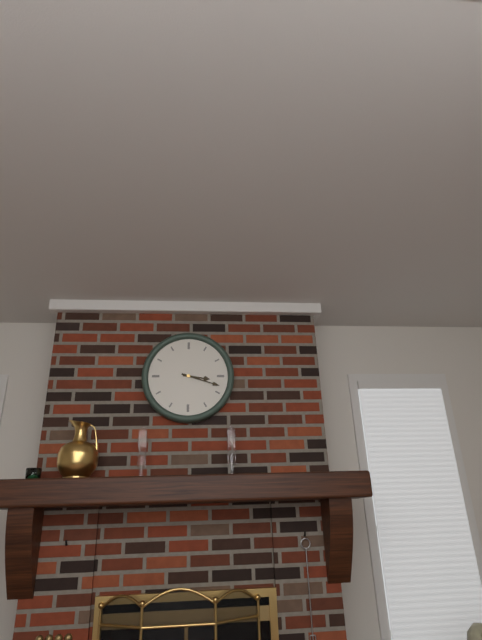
3:18
